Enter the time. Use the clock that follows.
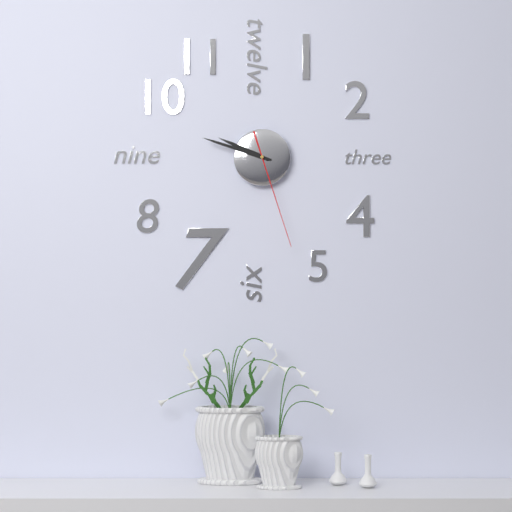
9:48:27
